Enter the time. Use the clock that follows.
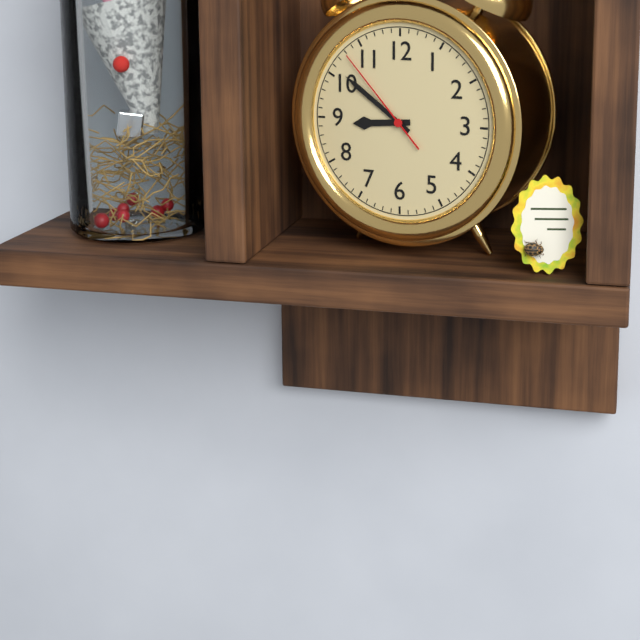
8:51:53
